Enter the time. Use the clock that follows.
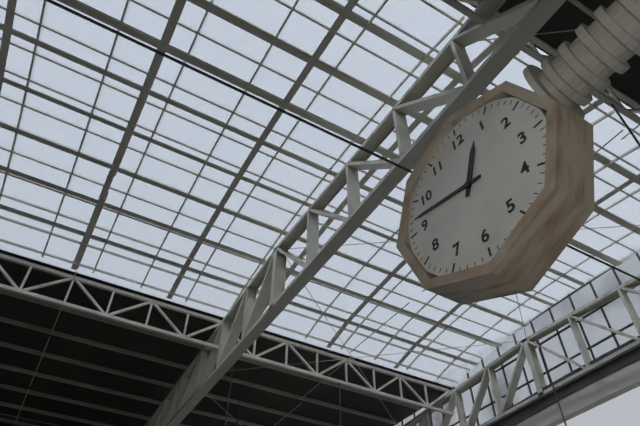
12:47
